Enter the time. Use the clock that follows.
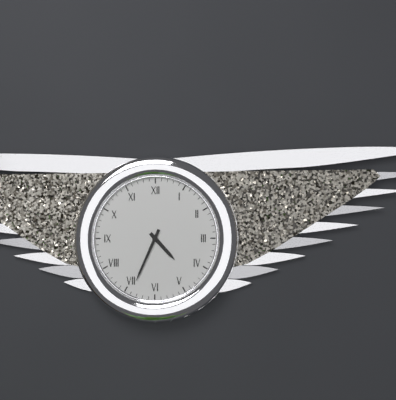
4:34
